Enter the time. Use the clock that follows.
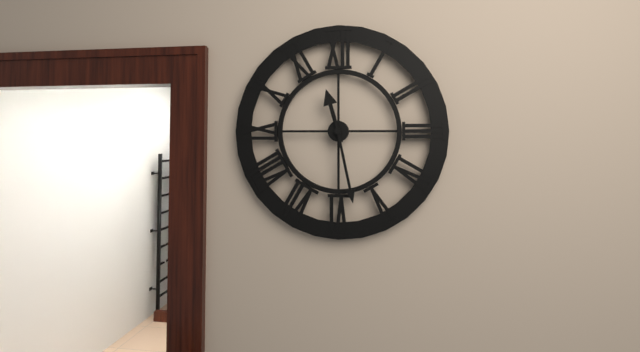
11:28
